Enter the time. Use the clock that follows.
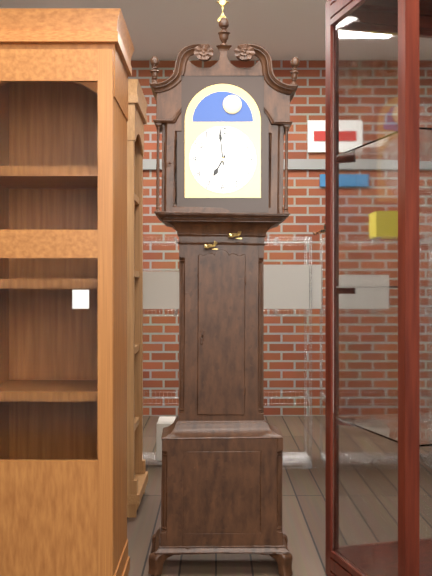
6:59
